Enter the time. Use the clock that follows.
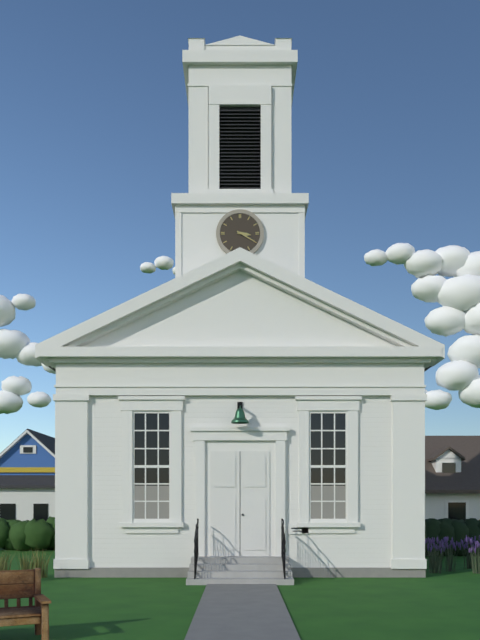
3:20
